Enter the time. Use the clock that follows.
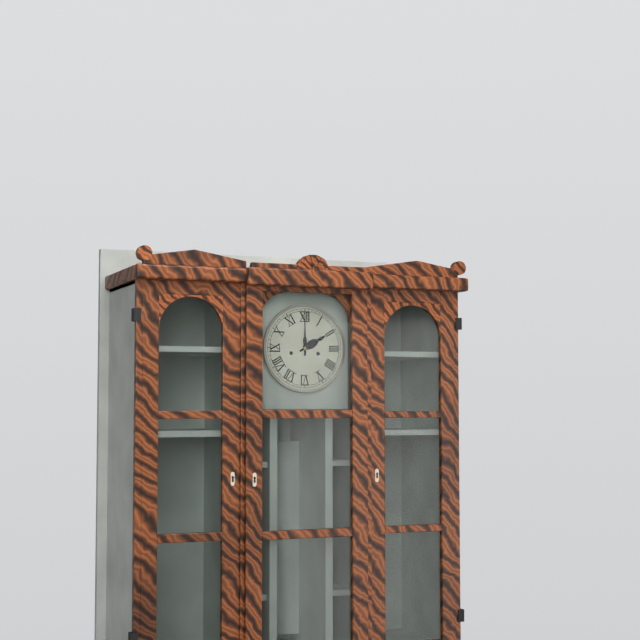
2:00
